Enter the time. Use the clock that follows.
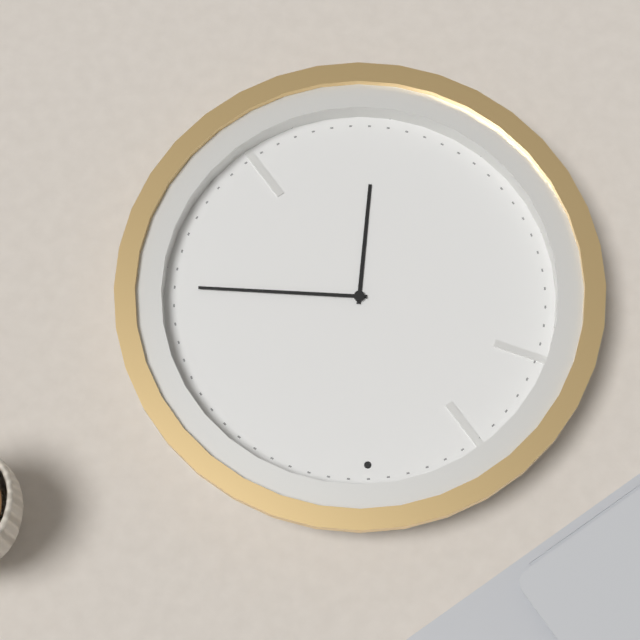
6:16
